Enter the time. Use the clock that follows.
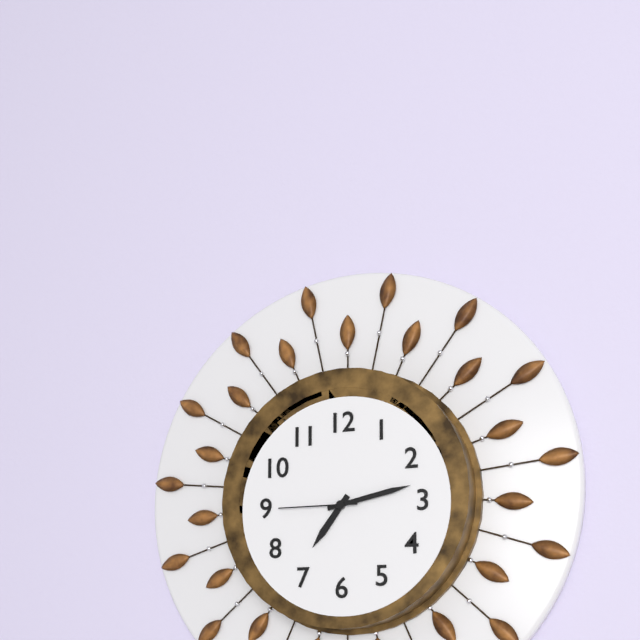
7:13:45
